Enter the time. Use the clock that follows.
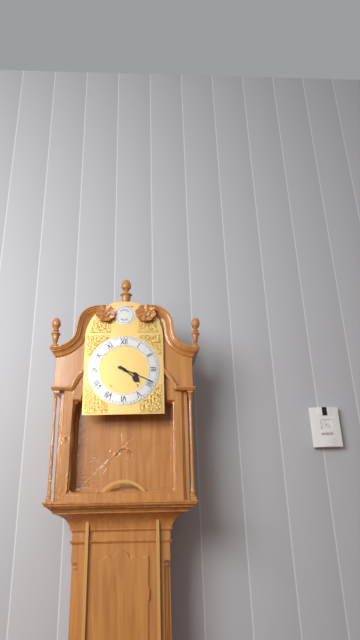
4:19
